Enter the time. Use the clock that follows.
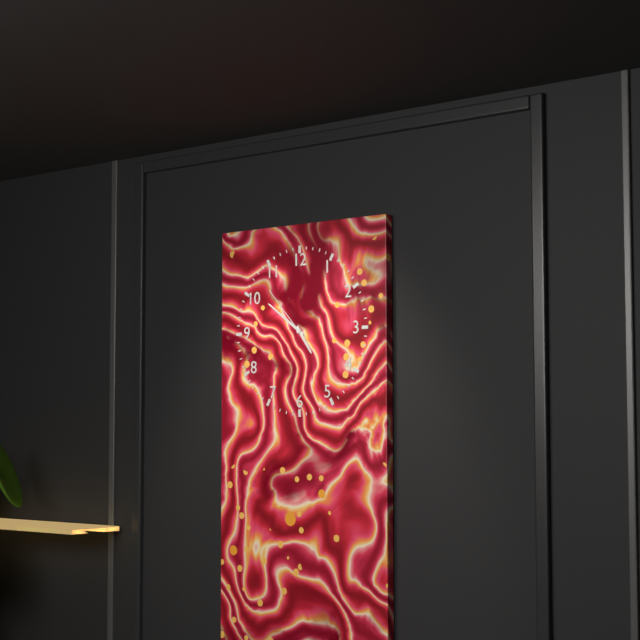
4:51:53
